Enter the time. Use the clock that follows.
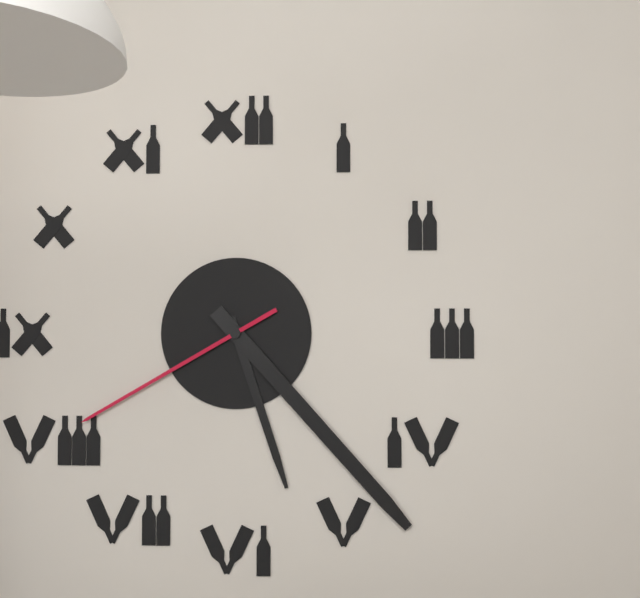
5:23:40
